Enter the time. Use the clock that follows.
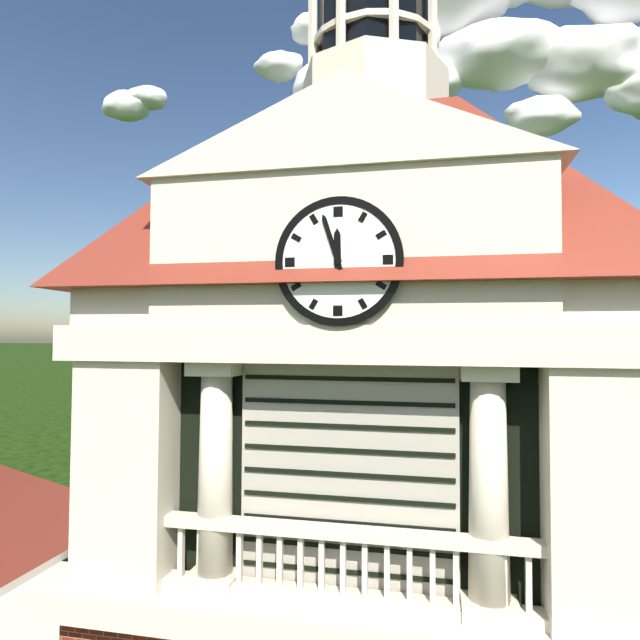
11:57
